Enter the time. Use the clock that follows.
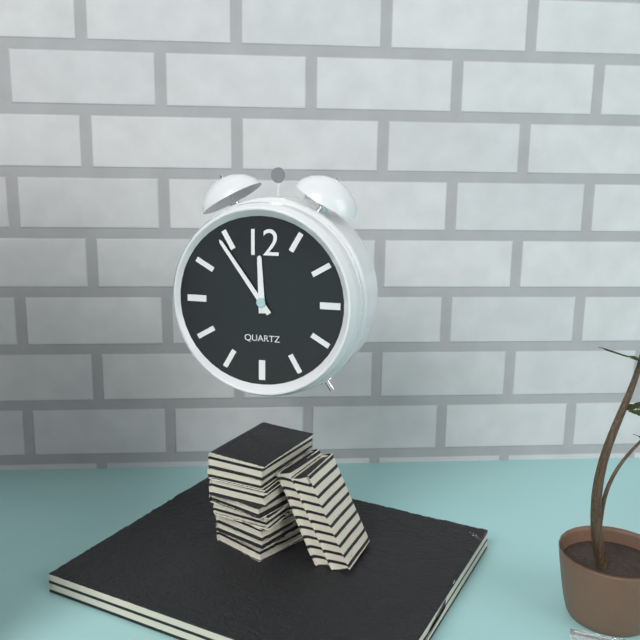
11:54
